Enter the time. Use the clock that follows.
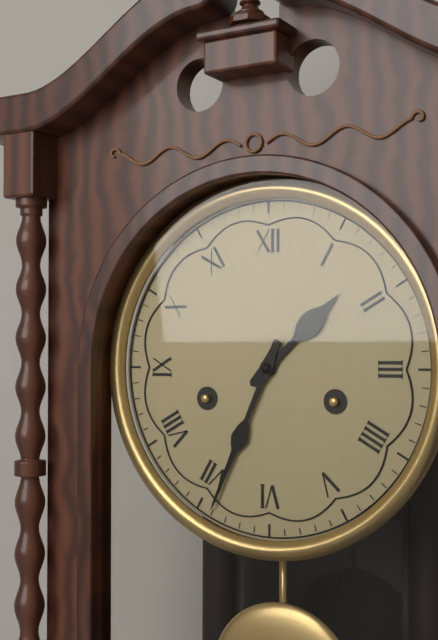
1:34
